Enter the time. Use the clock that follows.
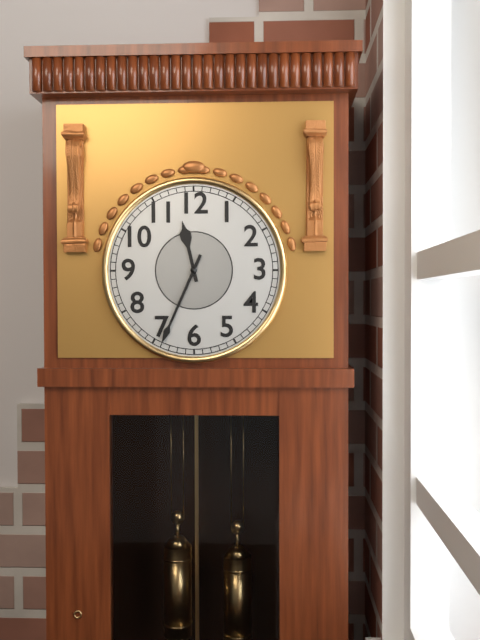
11:34
